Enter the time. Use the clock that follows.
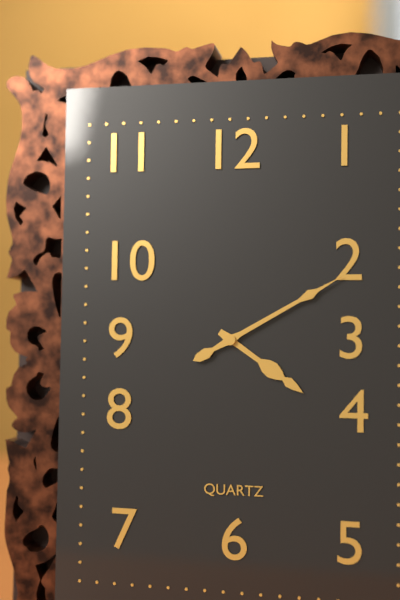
4:10
